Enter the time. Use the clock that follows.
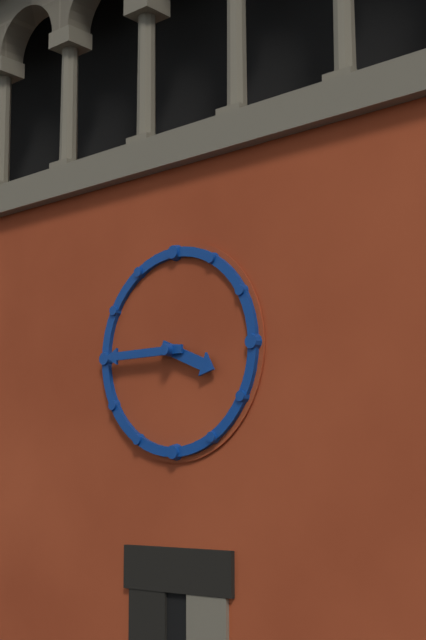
3:45
